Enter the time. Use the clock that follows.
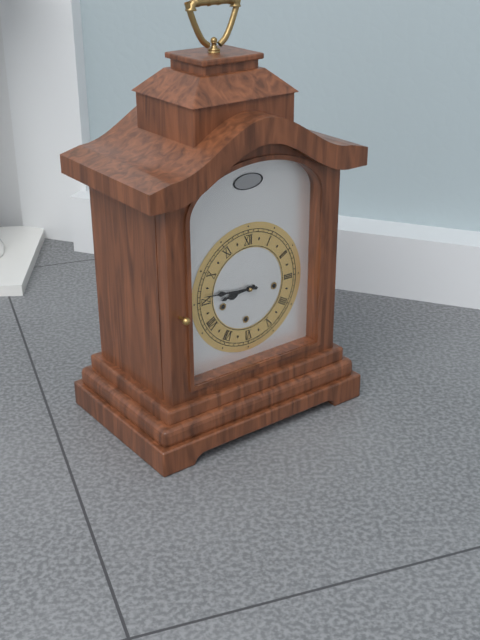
8:46
